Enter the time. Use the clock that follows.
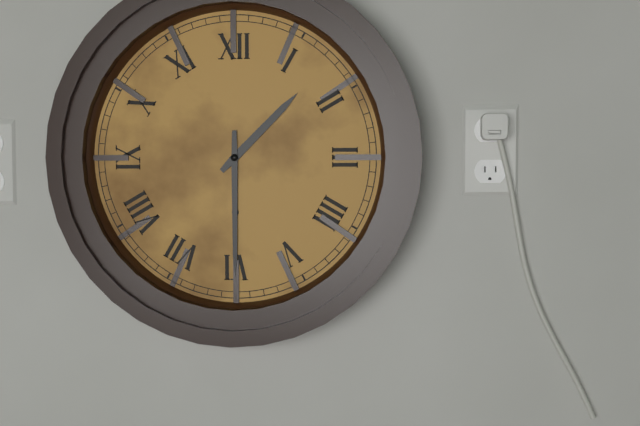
1:30
